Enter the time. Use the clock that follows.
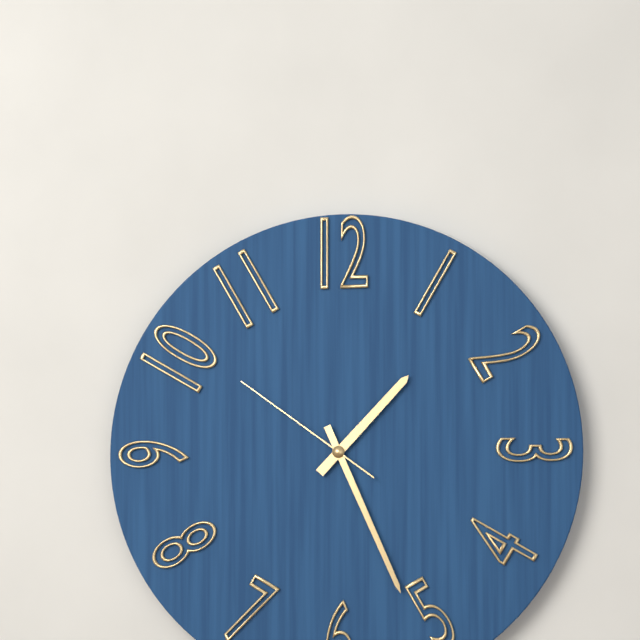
1:26:51
